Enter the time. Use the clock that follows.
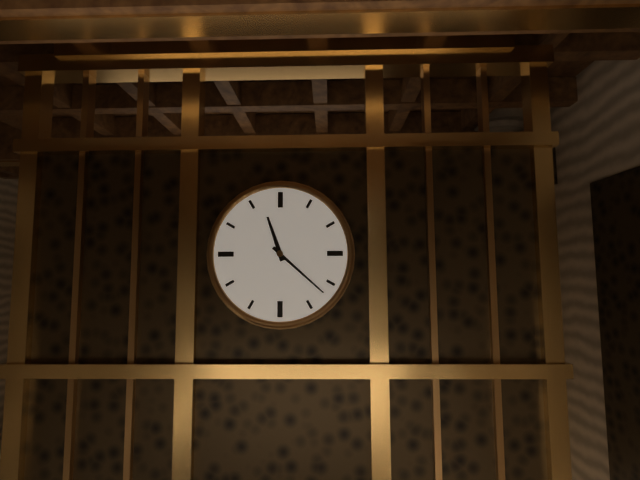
11:22
